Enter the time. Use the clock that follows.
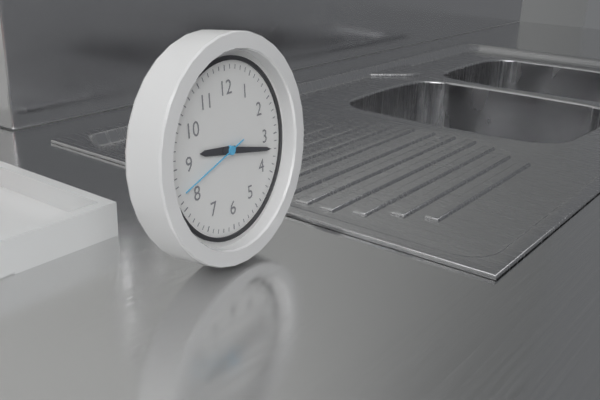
9:17:42
